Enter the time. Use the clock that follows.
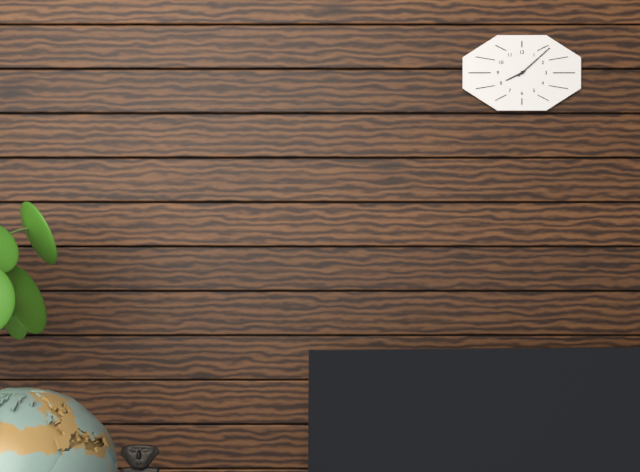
8:08
